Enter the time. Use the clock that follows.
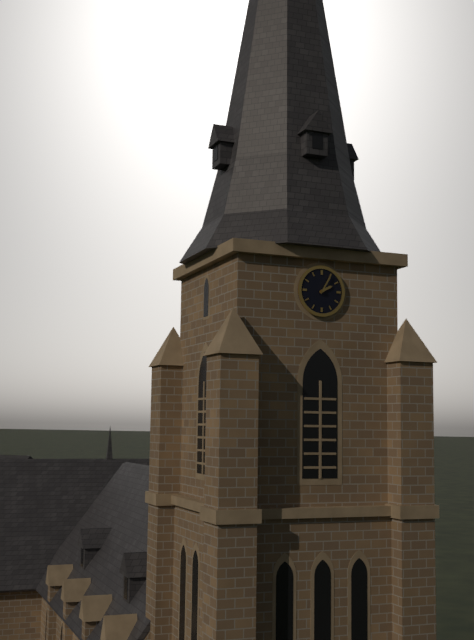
2:05
